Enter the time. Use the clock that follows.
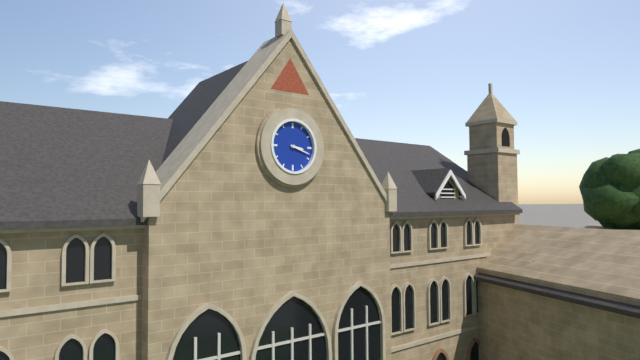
3:18
